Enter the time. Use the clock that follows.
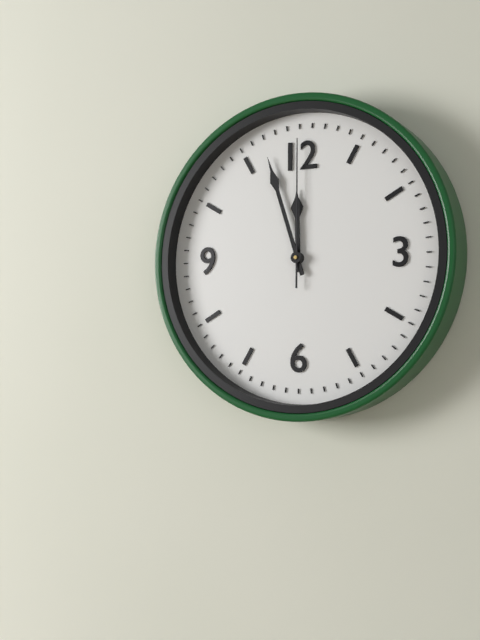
11:57:00
